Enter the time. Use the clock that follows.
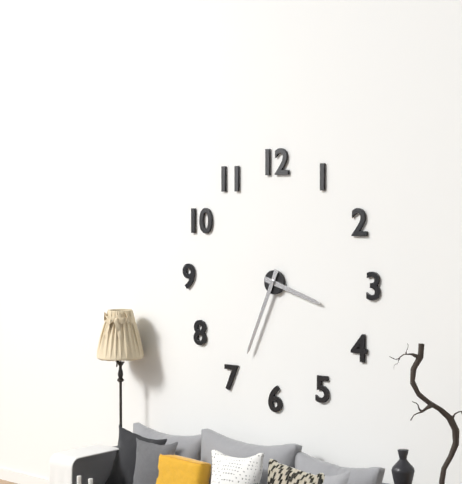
3:34
